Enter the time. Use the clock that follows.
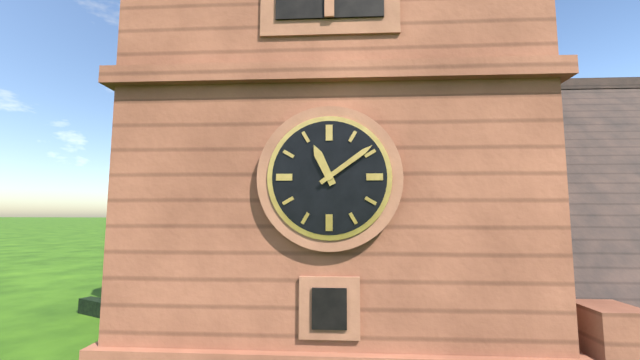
11:09
